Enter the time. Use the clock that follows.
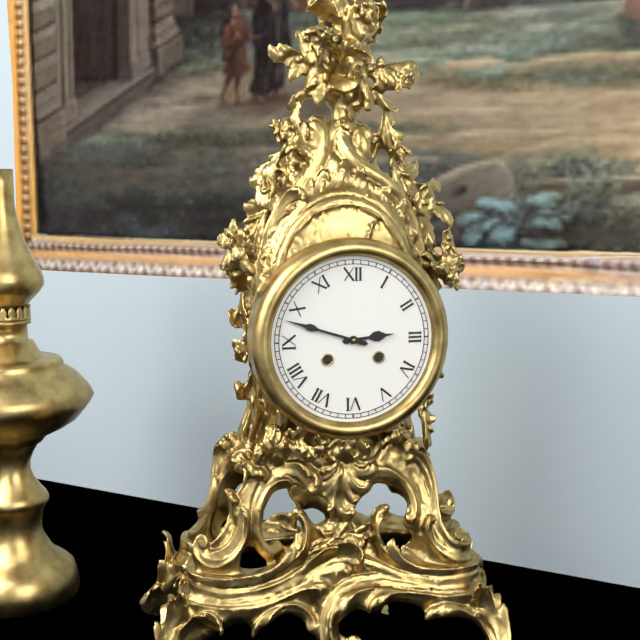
2:48
